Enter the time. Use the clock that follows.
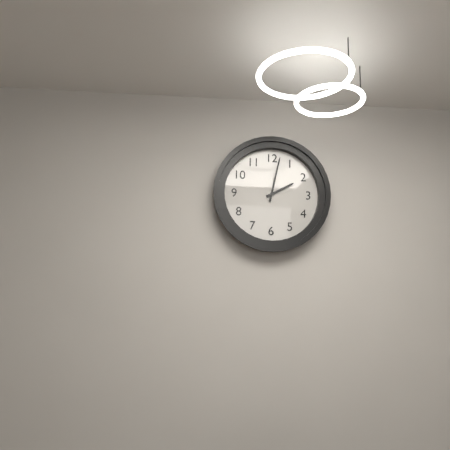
2:02
